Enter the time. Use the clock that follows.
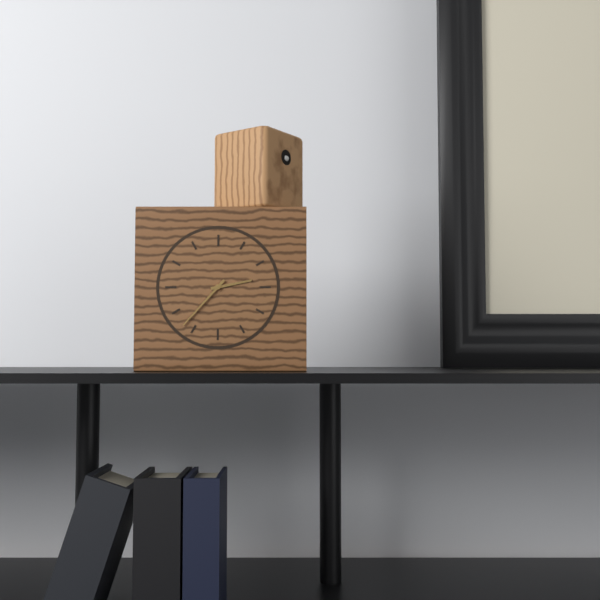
2:37
